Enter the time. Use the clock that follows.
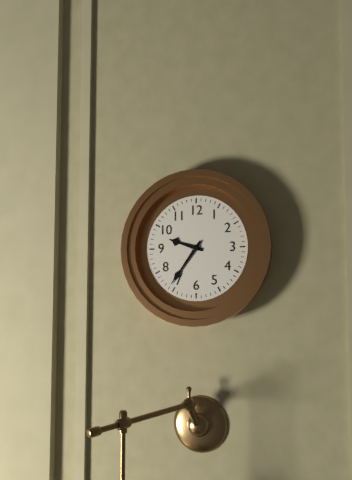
9:36
